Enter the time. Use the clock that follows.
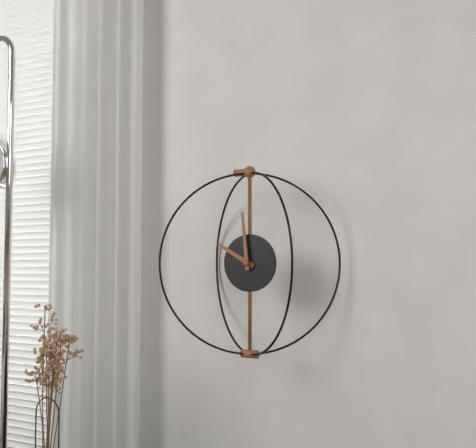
9:59
